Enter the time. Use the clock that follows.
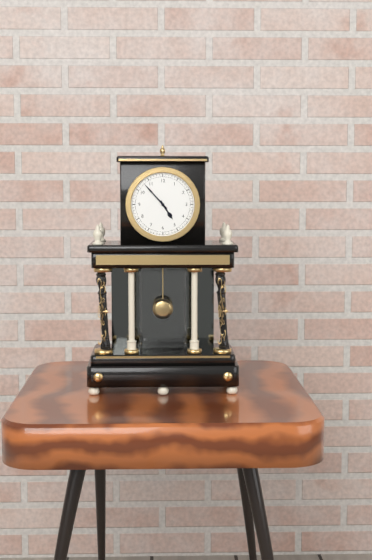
4:53
